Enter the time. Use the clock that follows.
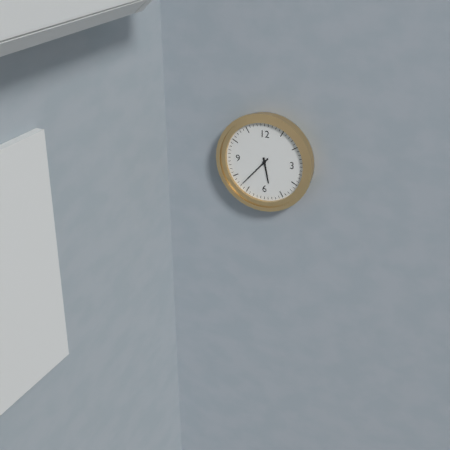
5:37
